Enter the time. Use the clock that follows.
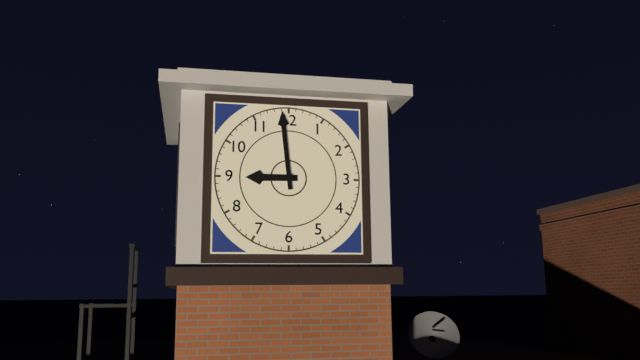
8:59
